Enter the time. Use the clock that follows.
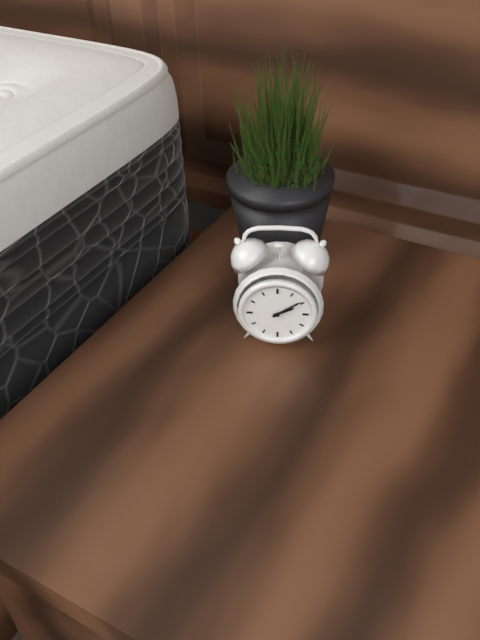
2:09
